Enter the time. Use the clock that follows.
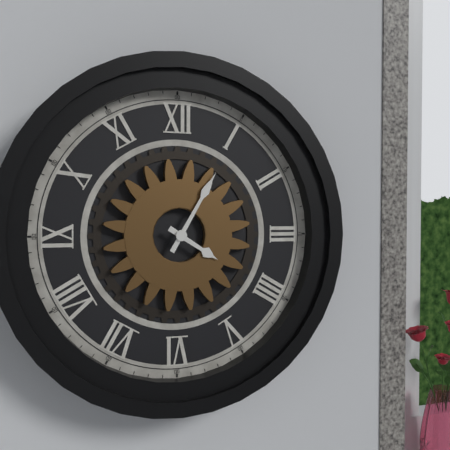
4:05
